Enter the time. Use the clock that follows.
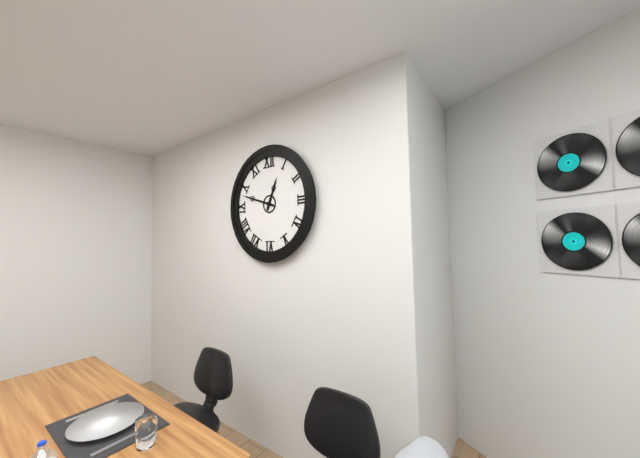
12:48
